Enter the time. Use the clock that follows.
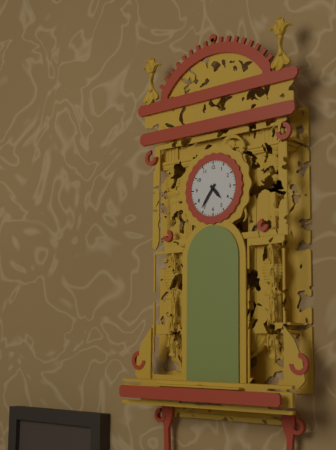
4:36
